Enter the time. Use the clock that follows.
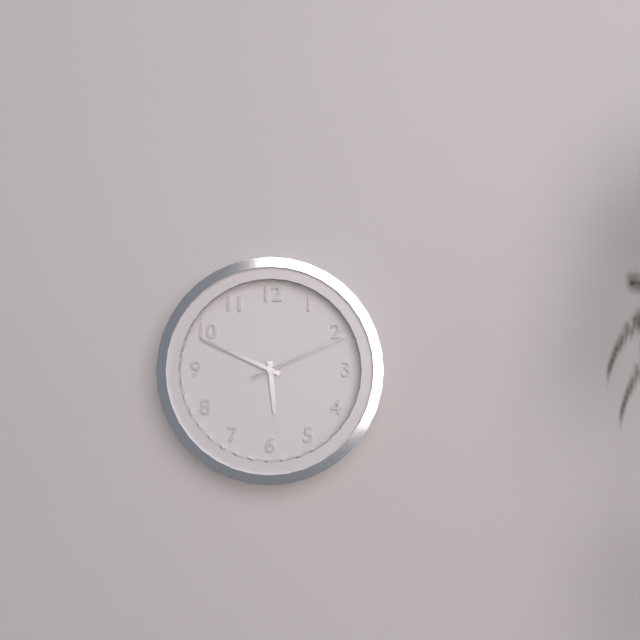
5:49:11
